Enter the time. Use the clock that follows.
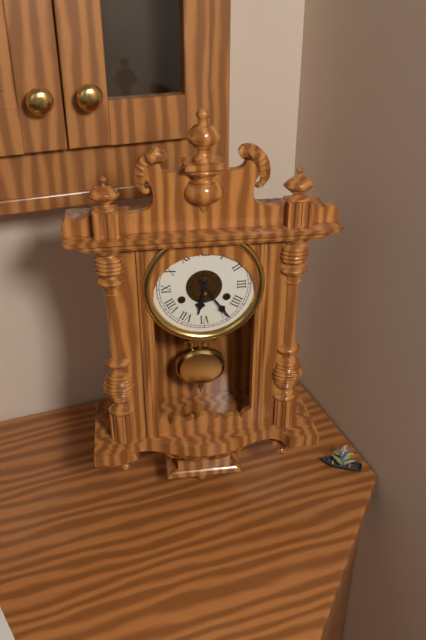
6:24
